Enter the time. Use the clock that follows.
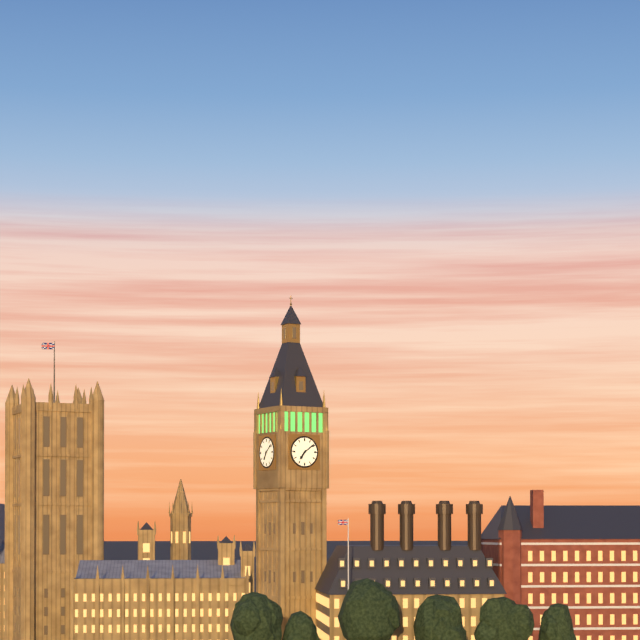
7:09
